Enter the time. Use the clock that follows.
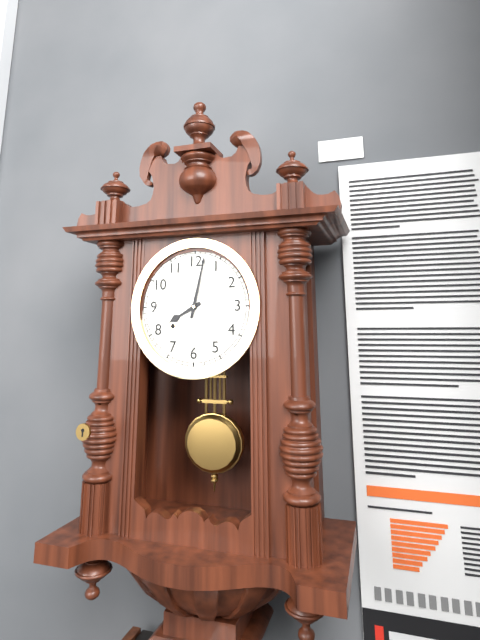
8:02
